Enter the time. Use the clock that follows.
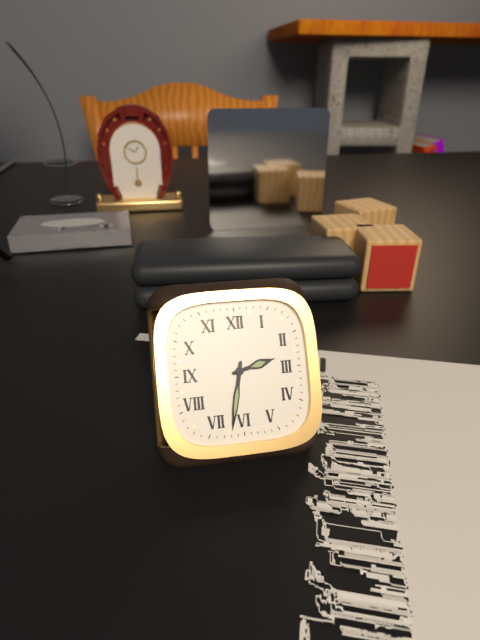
2:32
